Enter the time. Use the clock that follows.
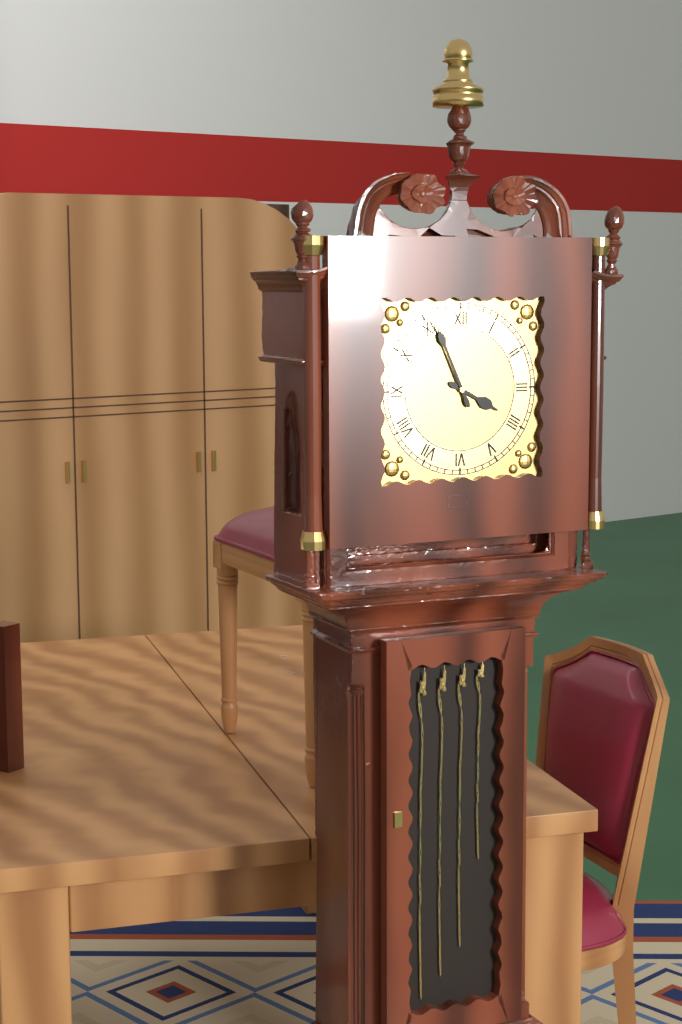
3:56
